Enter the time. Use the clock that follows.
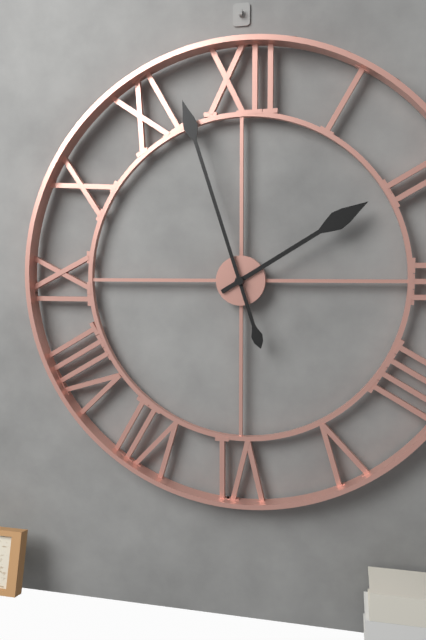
1:57
